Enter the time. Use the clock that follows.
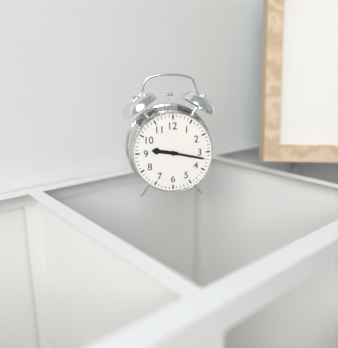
9:17
